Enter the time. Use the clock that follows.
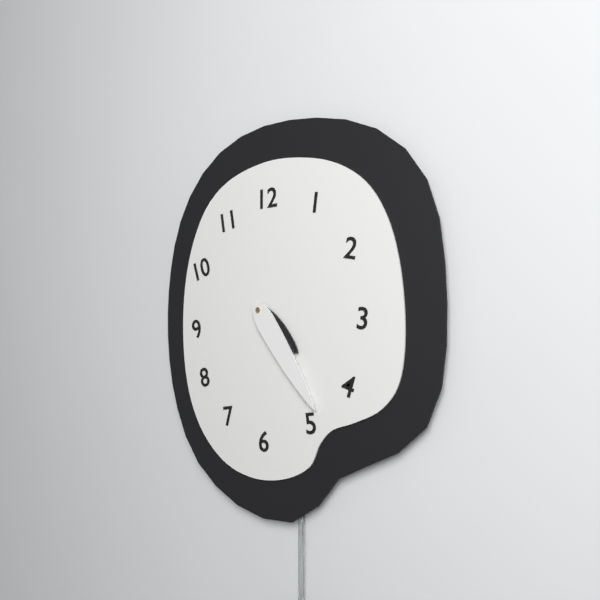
4:24
